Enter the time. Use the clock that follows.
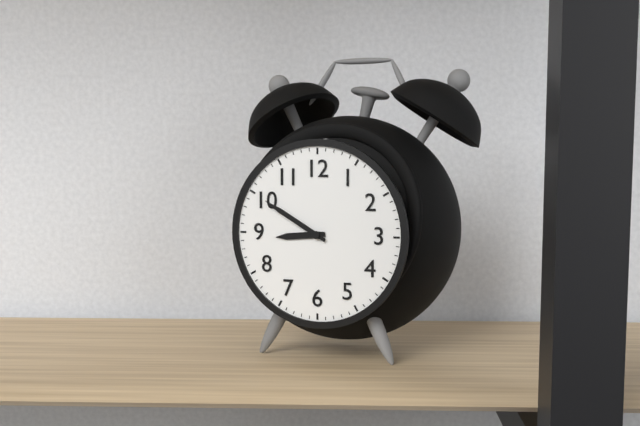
8:50
